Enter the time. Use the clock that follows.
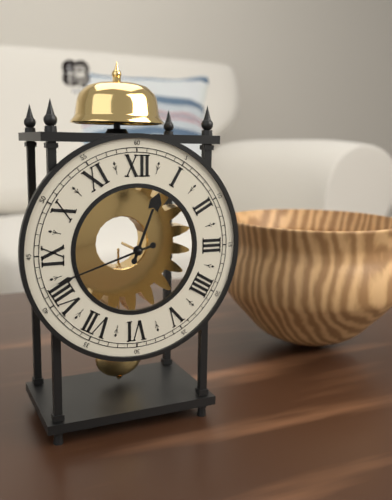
12:42
